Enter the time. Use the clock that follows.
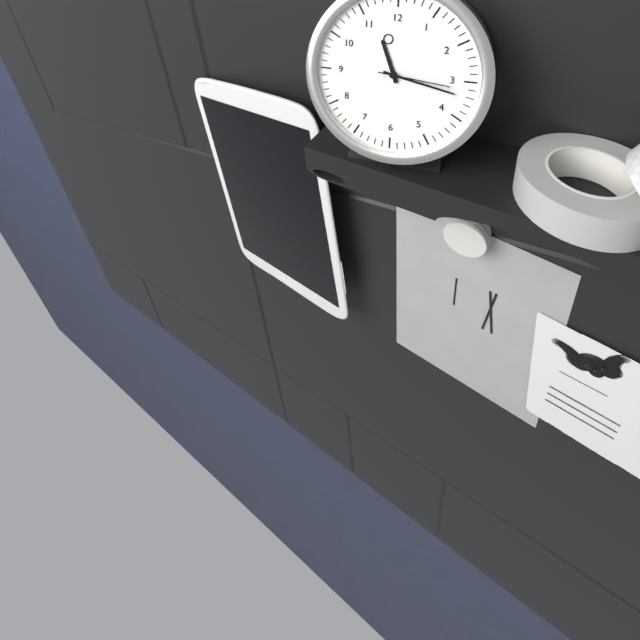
11:17:16
